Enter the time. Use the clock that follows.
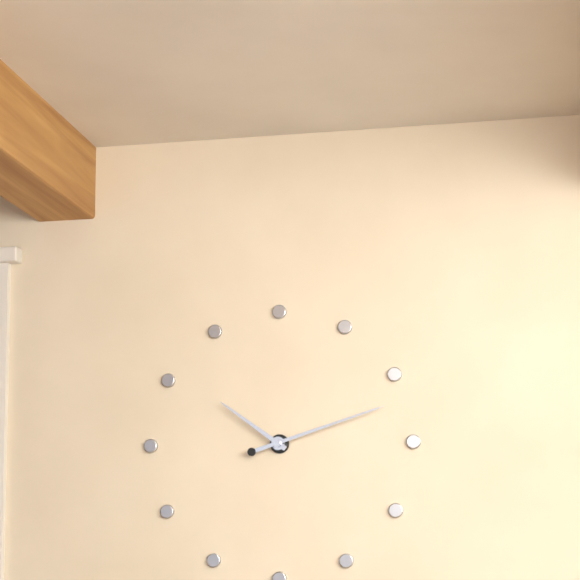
10:12
